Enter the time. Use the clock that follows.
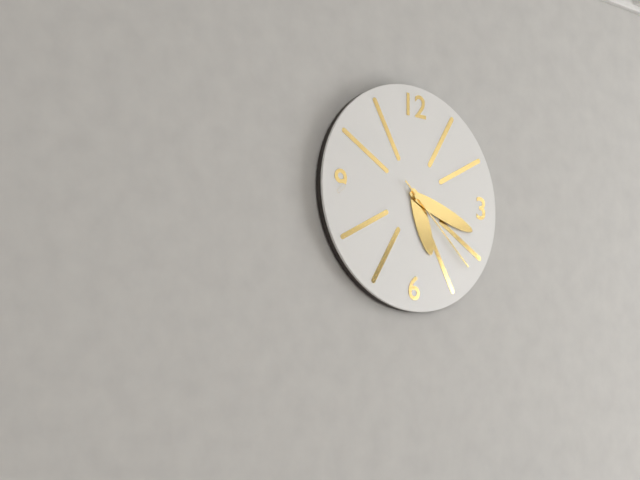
5:18:22
